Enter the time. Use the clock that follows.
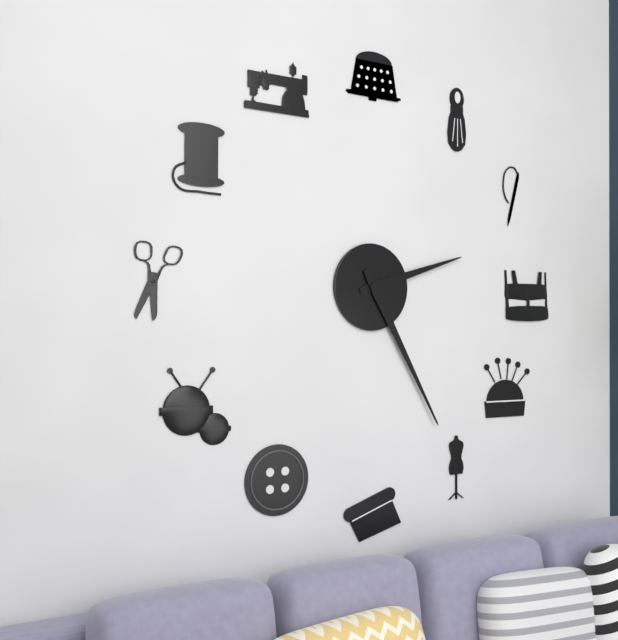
2:25
